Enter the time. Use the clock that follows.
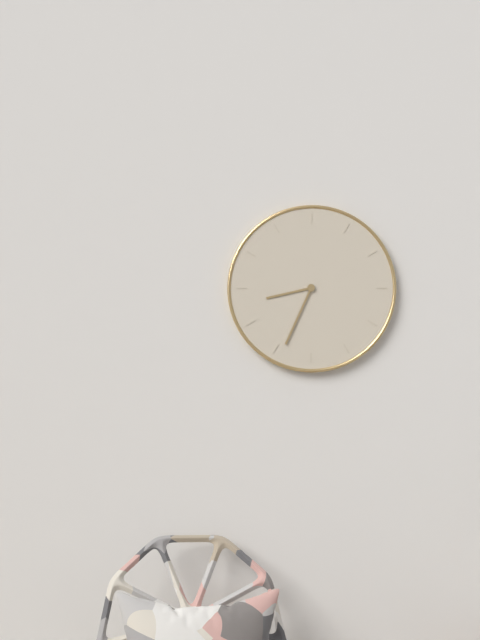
8:34
